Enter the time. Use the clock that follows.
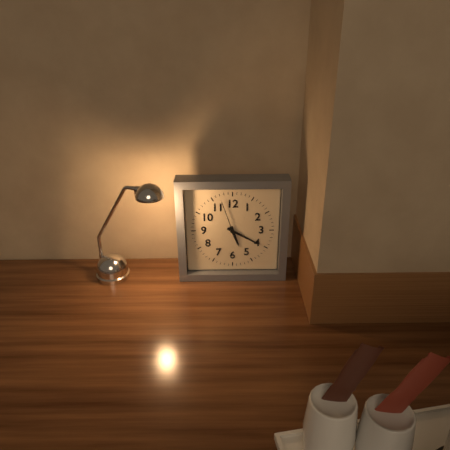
5:20
